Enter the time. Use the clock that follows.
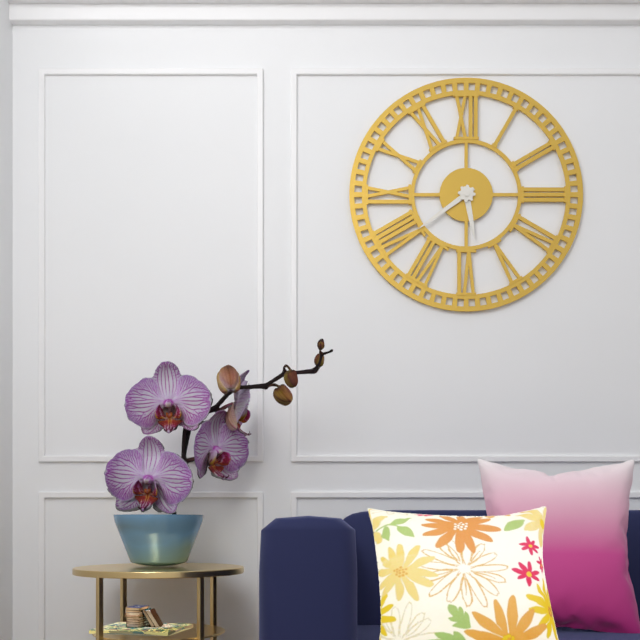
5:39
